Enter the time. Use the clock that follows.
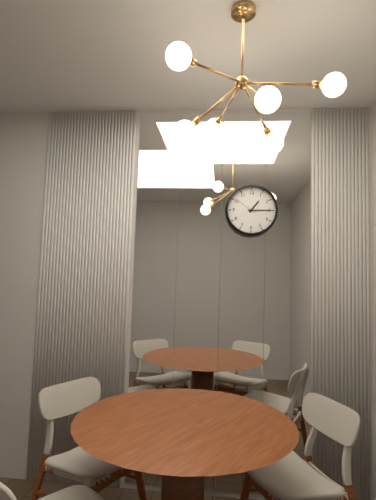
1:15
